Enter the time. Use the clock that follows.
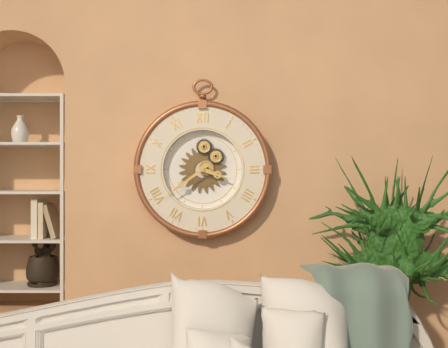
3:39
